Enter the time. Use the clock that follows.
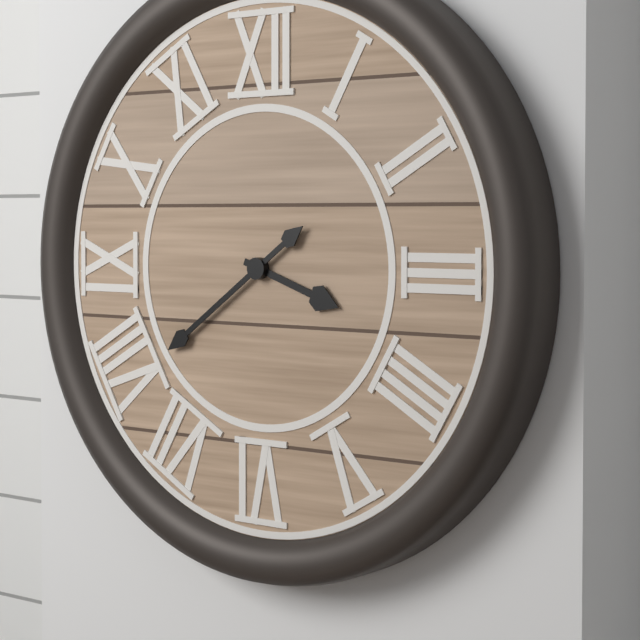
3:39
